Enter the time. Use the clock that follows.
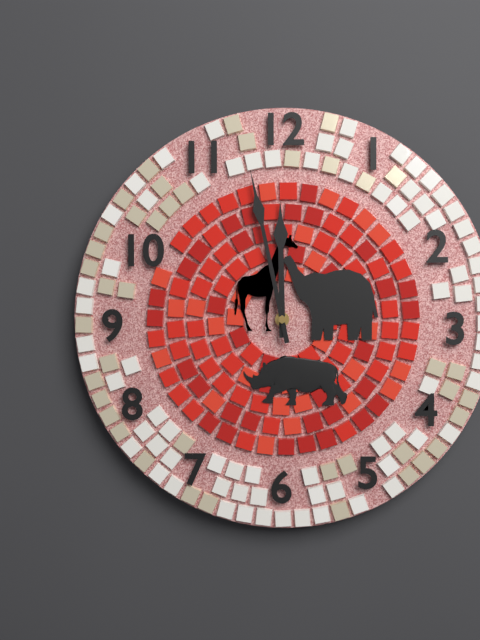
11:58
